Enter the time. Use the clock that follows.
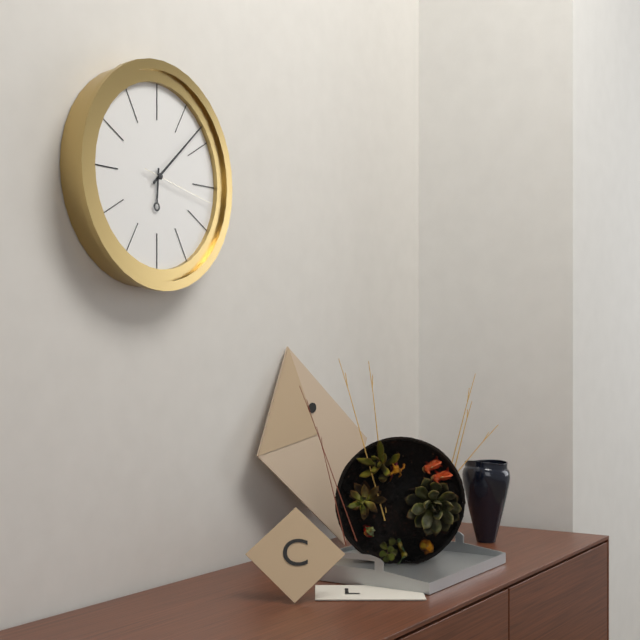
6:08:17
